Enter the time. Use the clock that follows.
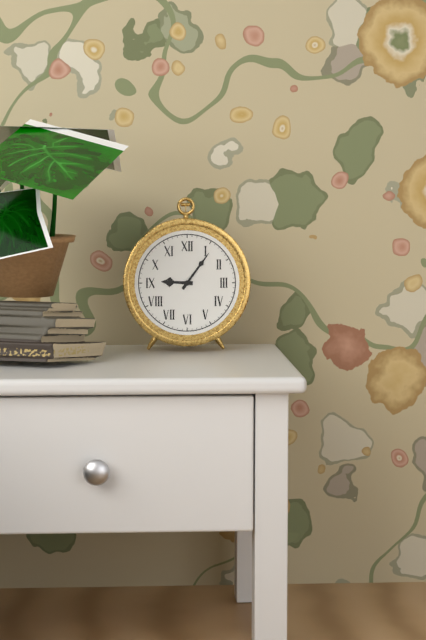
9:06
